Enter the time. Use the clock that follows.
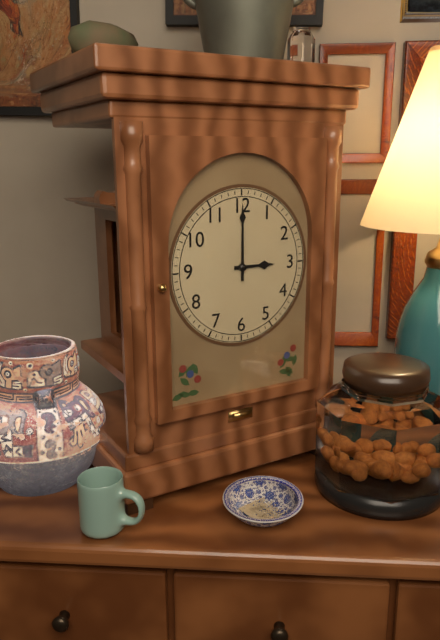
3:00
